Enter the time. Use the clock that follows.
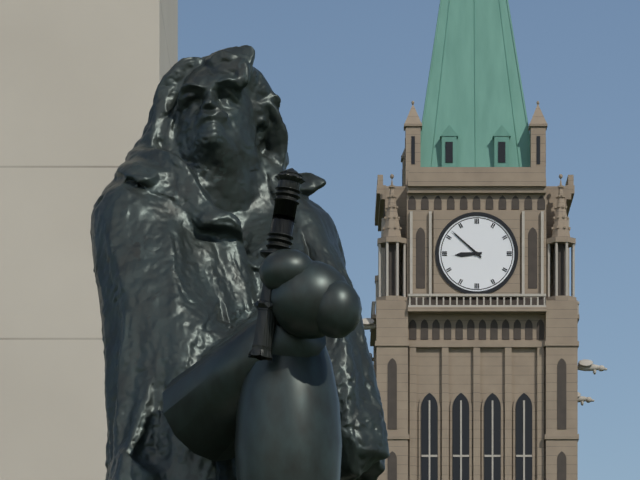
8:52
